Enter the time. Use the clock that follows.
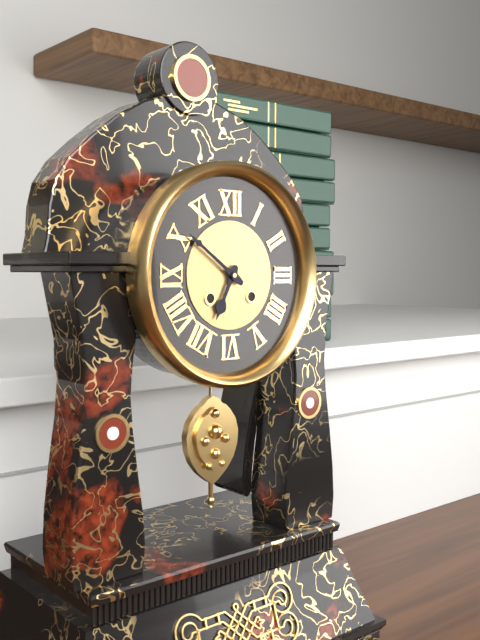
6:51
